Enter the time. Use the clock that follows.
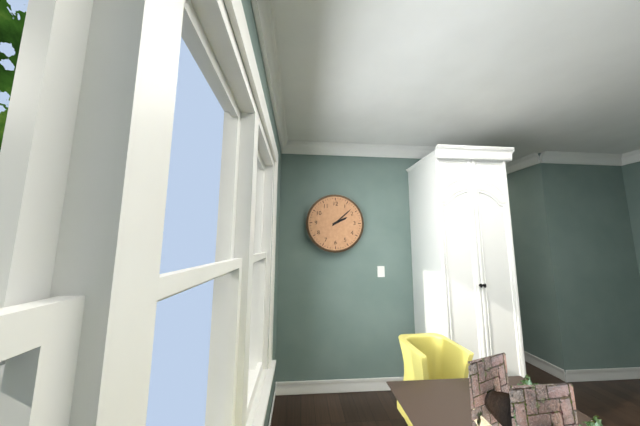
2:08
